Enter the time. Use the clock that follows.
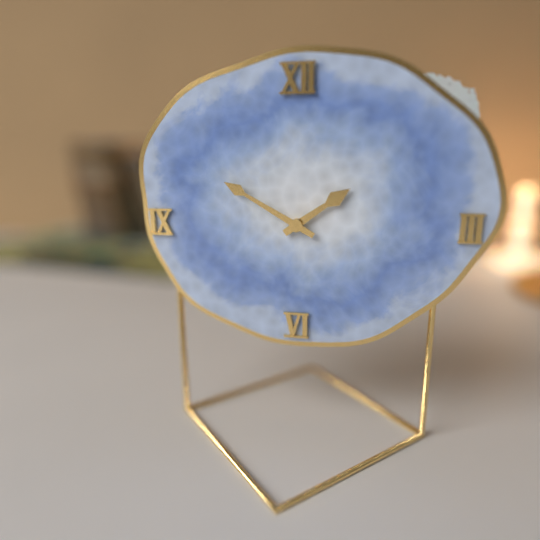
1:50
